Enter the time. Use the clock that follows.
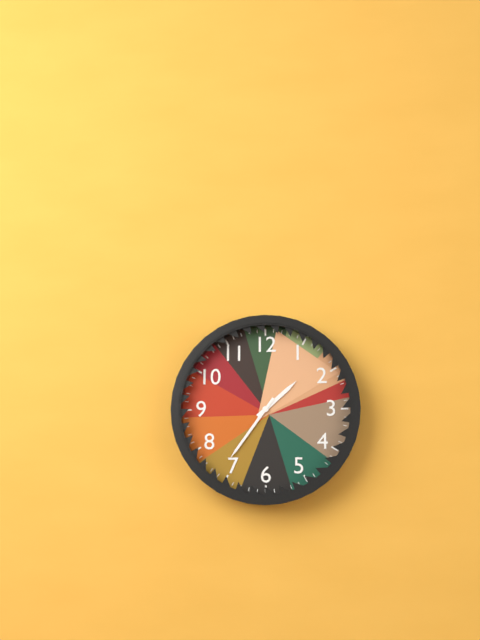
1:36
